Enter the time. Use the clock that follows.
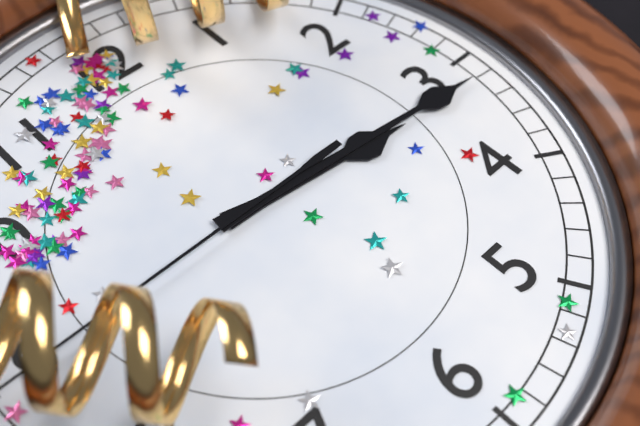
3:16
